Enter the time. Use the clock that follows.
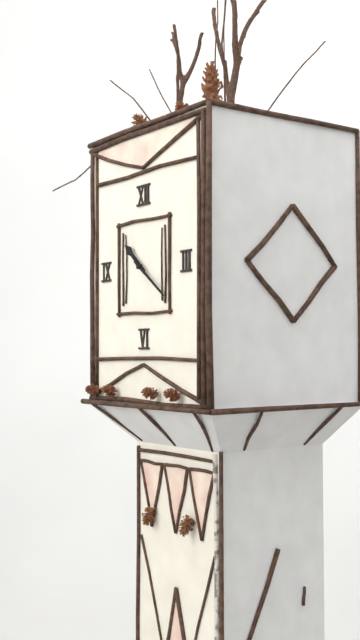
10:21
